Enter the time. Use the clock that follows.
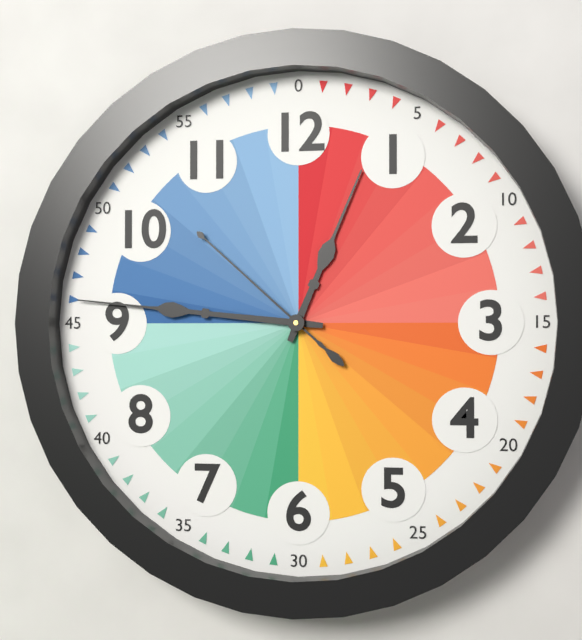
12:46:52
